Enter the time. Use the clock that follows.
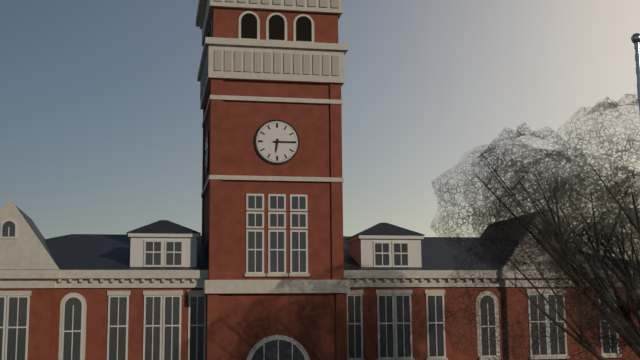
6:15
